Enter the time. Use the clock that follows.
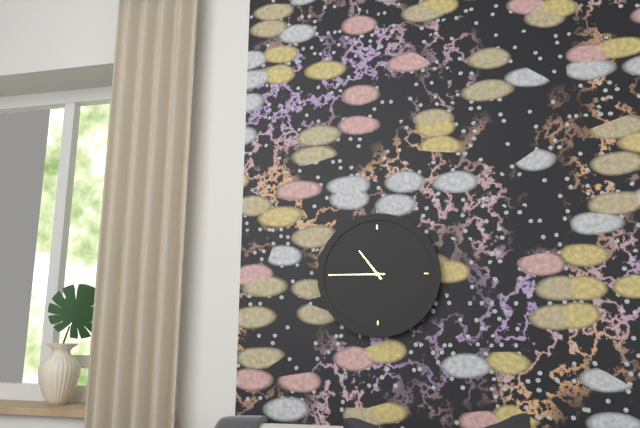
10:45
